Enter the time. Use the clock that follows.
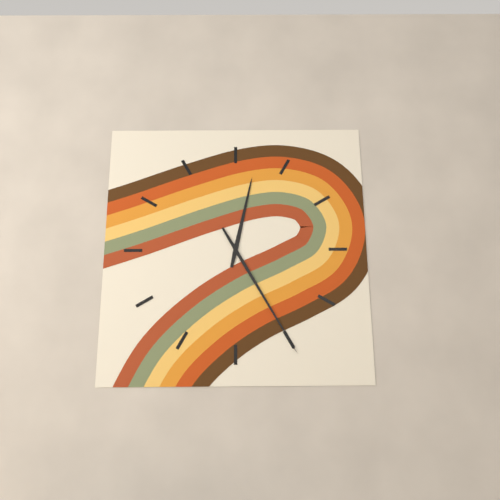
12:25
